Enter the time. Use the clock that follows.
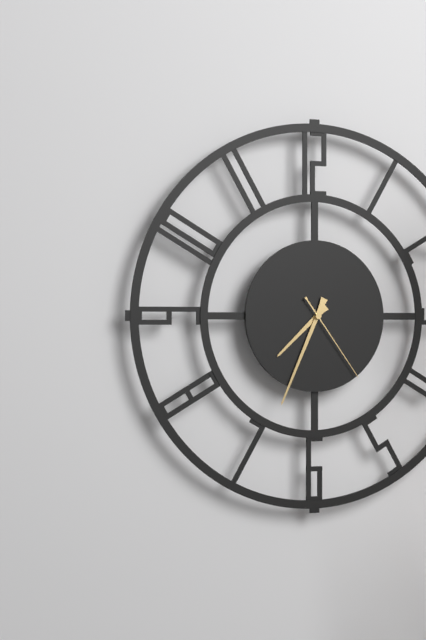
7:34:24
